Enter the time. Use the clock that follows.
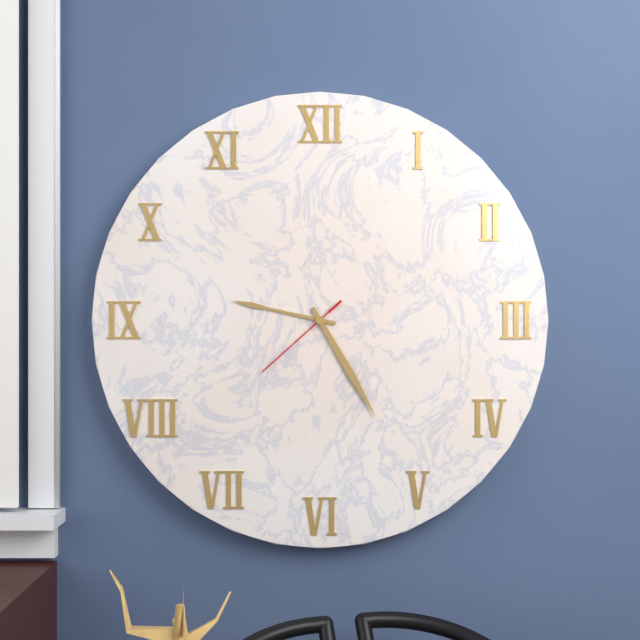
9:25:38
